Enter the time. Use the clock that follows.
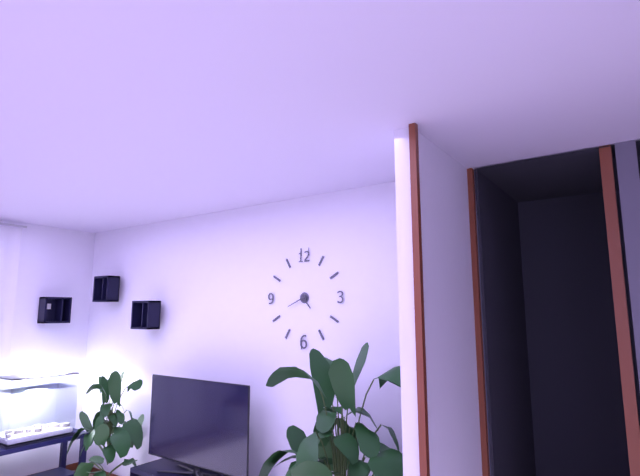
4:41
